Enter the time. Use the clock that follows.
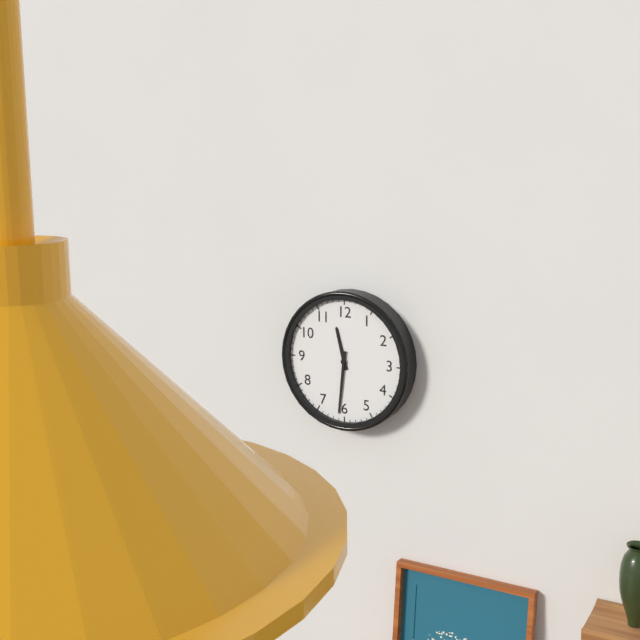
11:31
